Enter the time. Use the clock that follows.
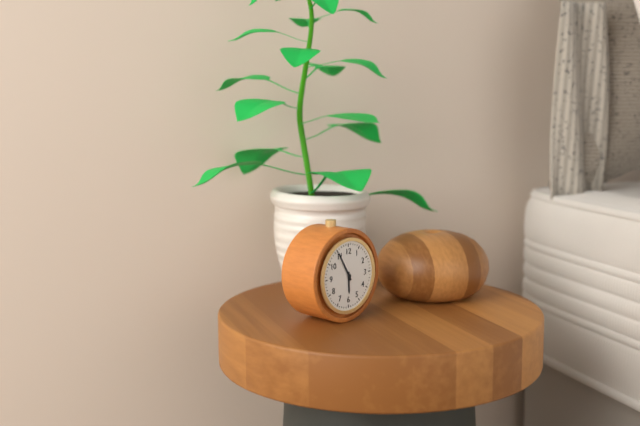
5:55
